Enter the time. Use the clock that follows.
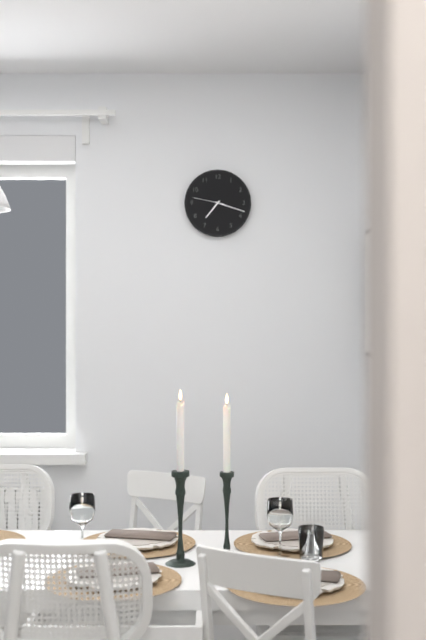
7:18
